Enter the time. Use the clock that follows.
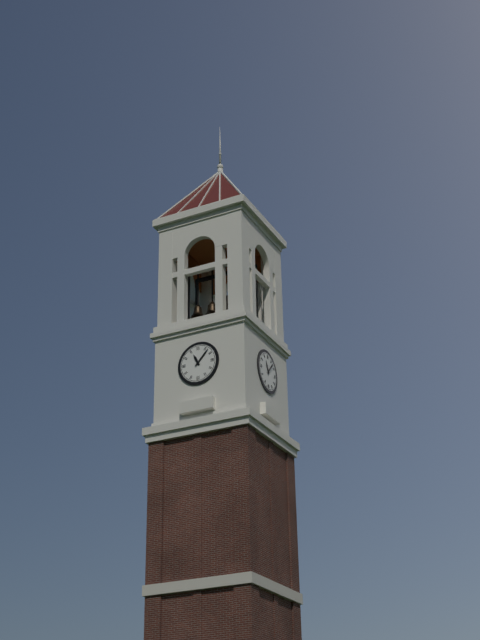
11:07
